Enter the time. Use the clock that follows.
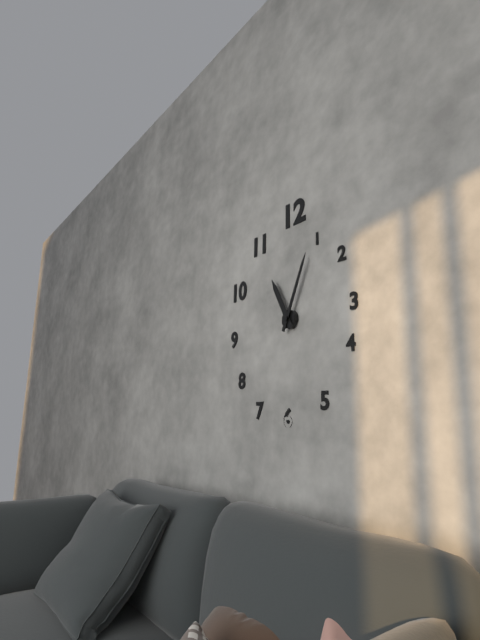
11:04
